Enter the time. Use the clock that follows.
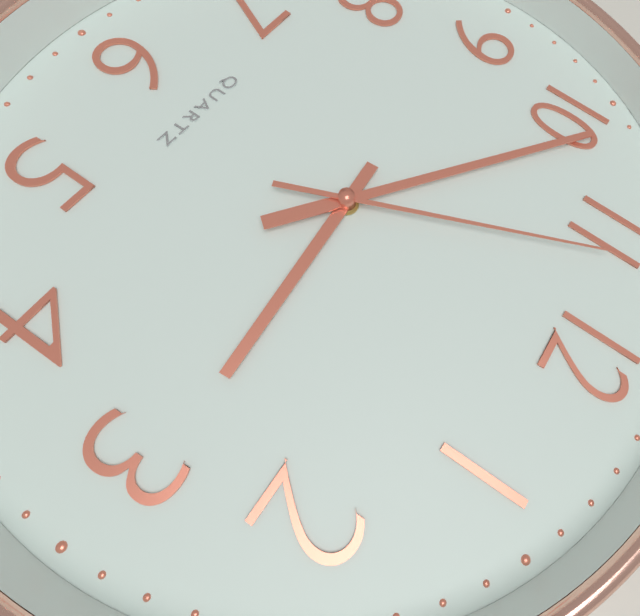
2:51:56
